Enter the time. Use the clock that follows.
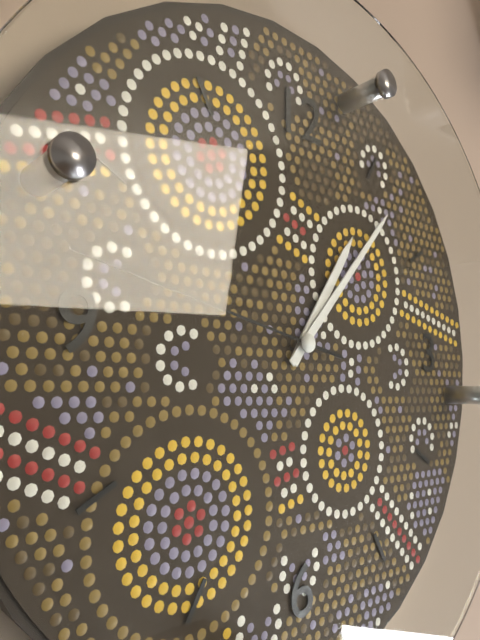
1:07:47
